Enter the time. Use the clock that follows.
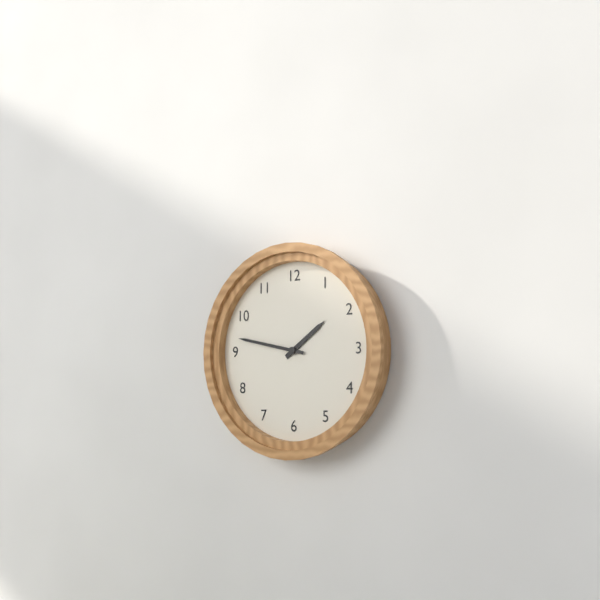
1:47
